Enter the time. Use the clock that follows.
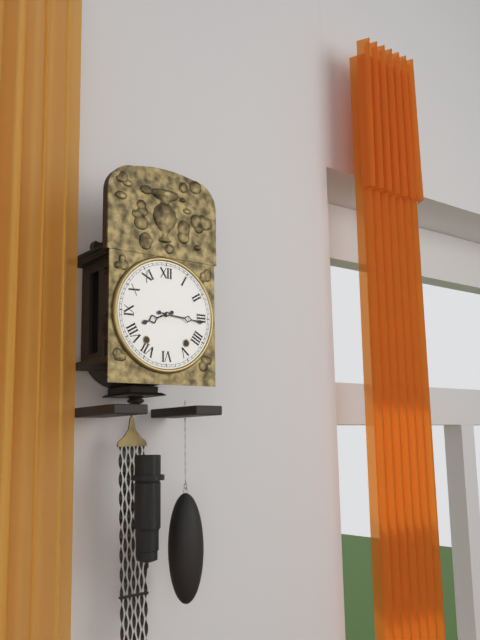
8:16
